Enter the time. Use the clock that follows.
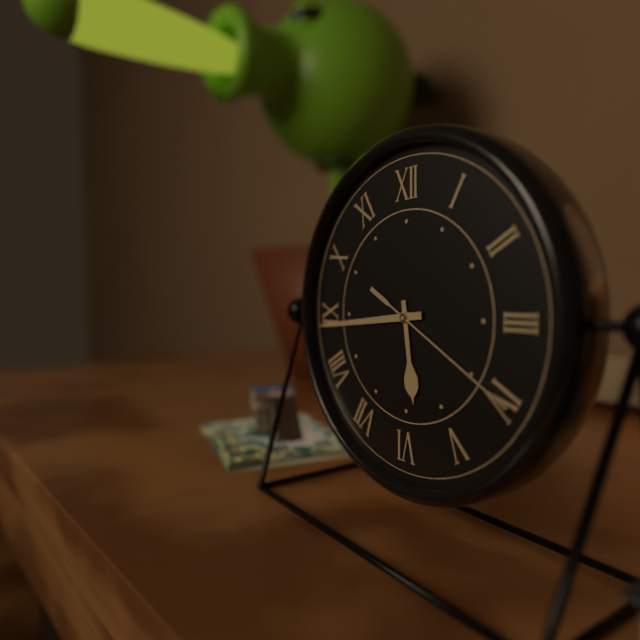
5:44:20
